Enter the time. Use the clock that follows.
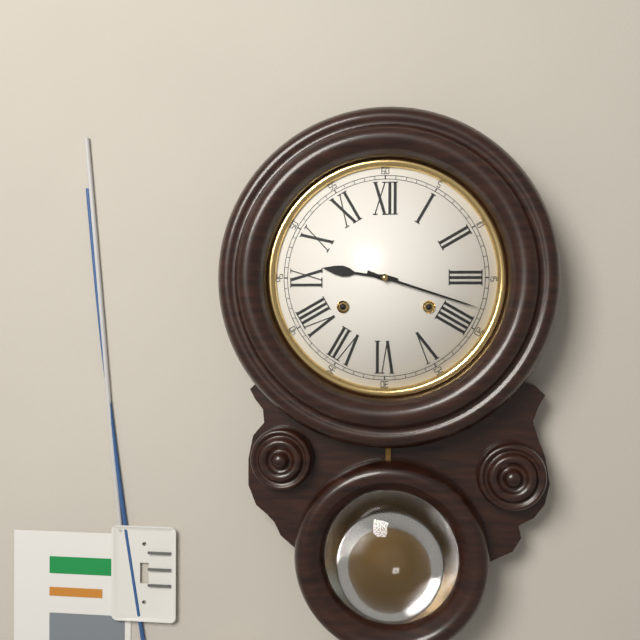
9:18
